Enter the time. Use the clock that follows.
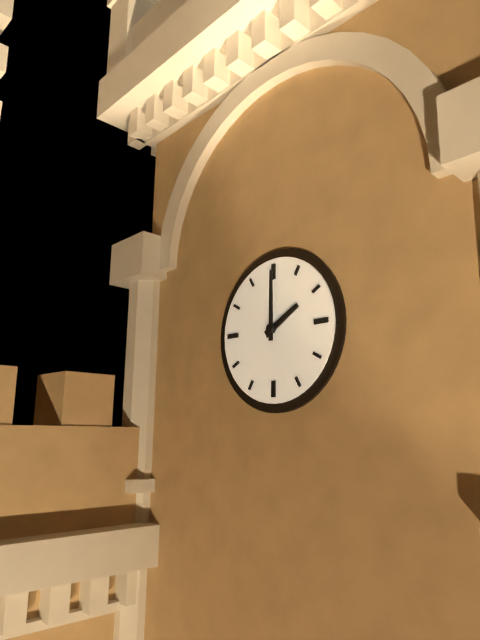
2:00
